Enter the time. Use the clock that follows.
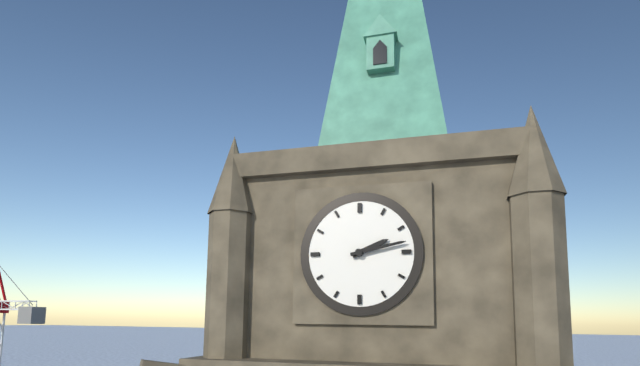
2:13
